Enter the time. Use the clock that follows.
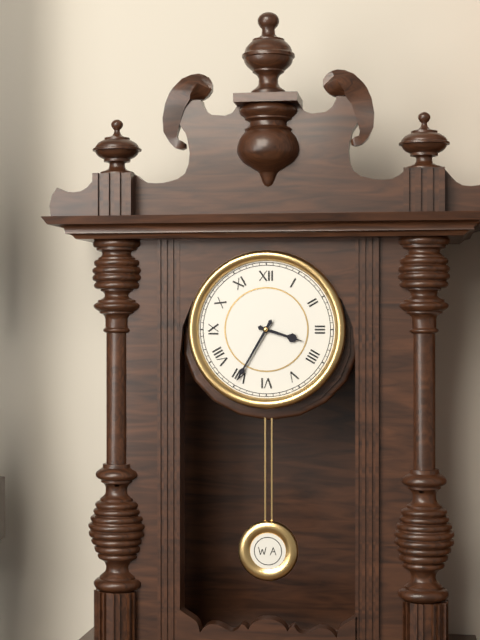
3:35
